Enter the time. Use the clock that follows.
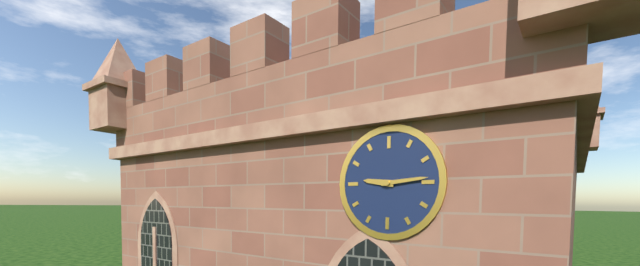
9:14
